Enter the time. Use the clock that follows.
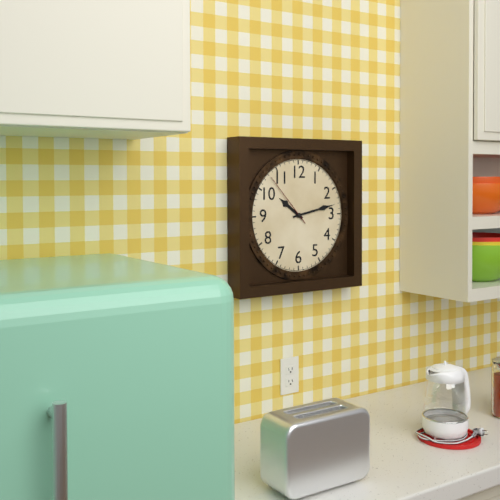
10:13:53
